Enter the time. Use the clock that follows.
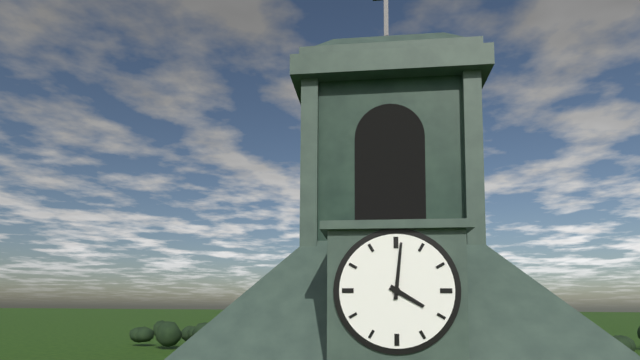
4:01
